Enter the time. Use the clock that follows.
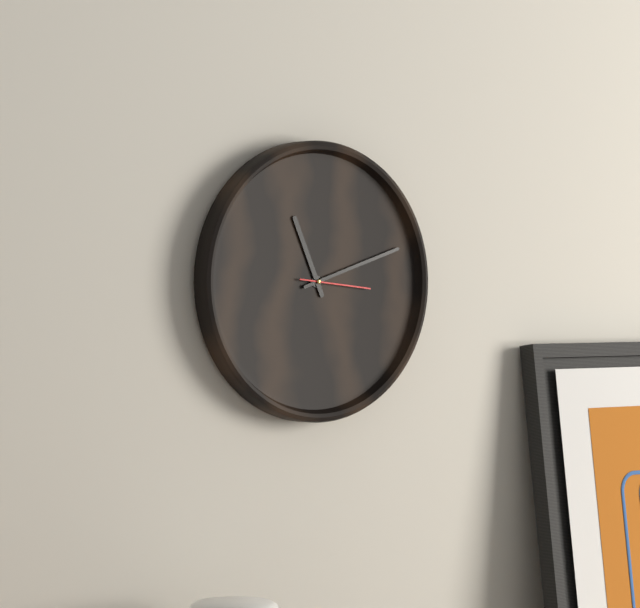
11:12:16
